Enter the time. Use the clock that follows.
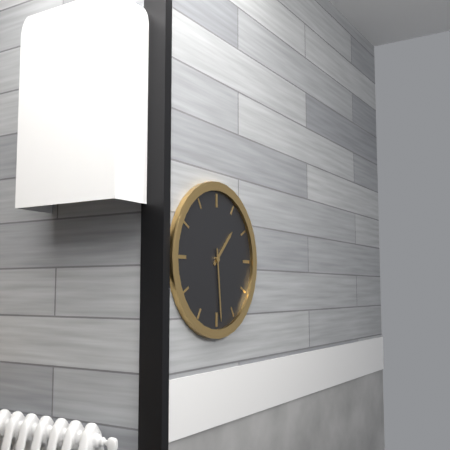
1:29
